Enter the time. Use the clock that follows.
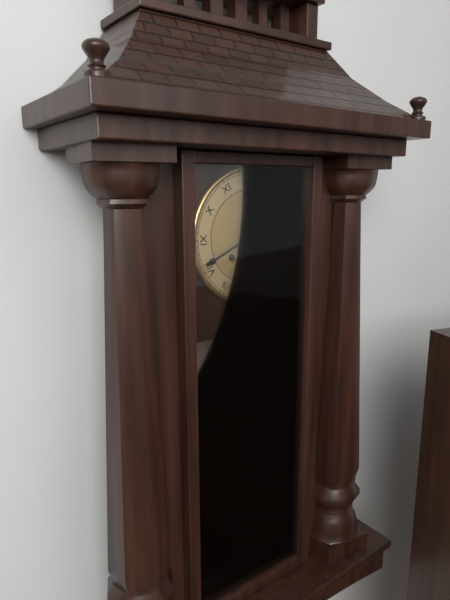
4:41
